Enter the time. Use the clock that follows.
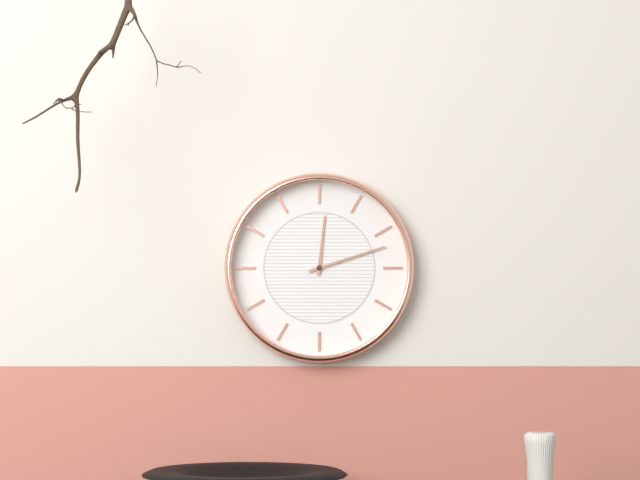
12:12
